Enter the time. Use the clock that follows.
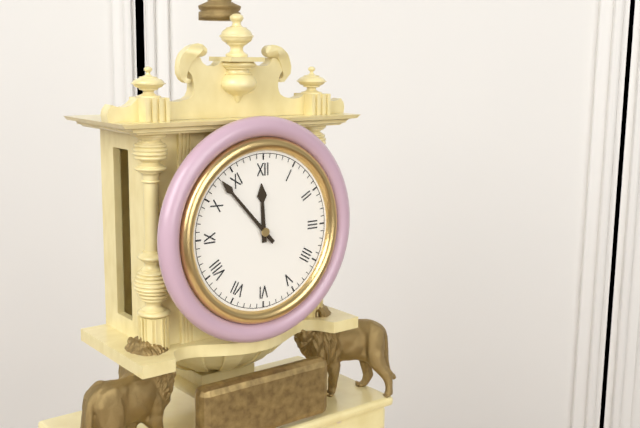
11:53
